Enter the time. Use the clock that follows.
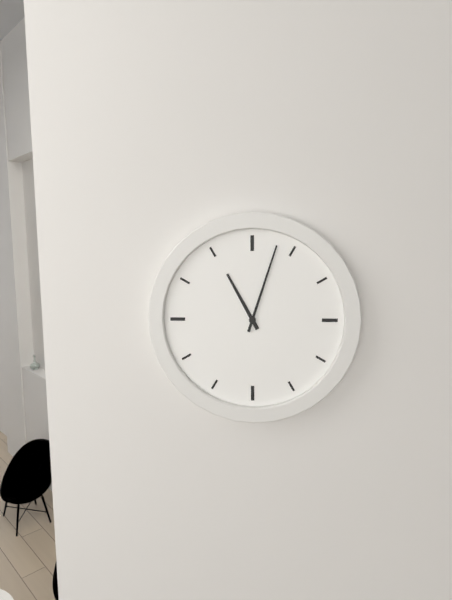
11:03
